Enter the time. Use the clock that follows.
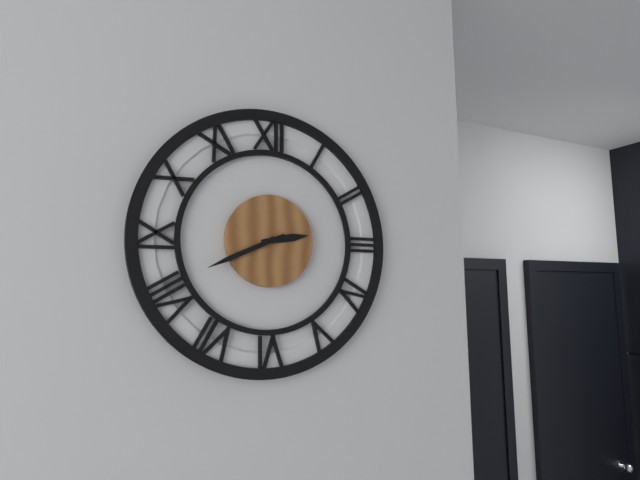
2:41
